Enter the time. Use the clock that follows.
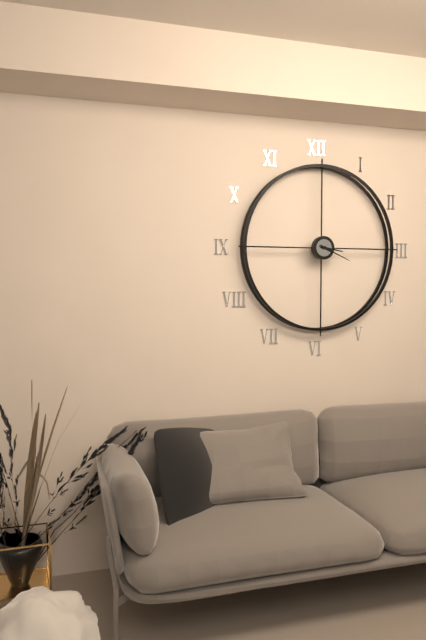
3:19
